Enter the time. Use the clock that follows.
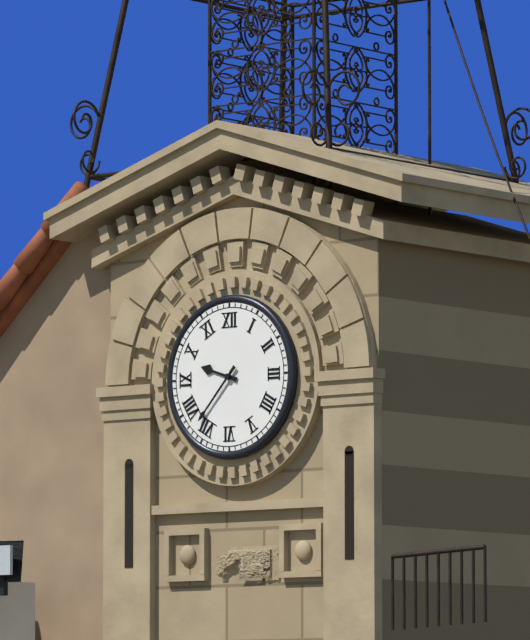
9:37
